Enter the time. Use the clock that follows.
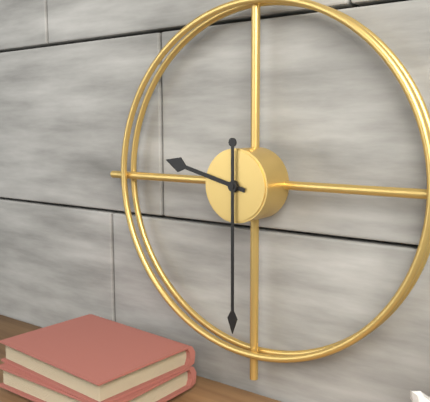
9:30
